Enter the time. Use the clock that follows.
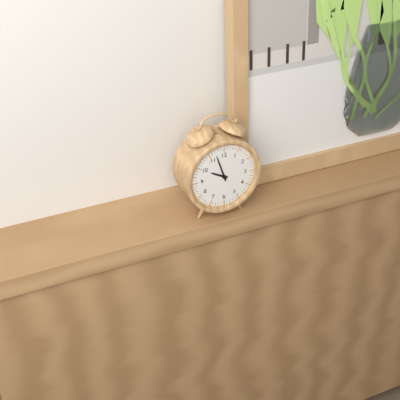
9:57
